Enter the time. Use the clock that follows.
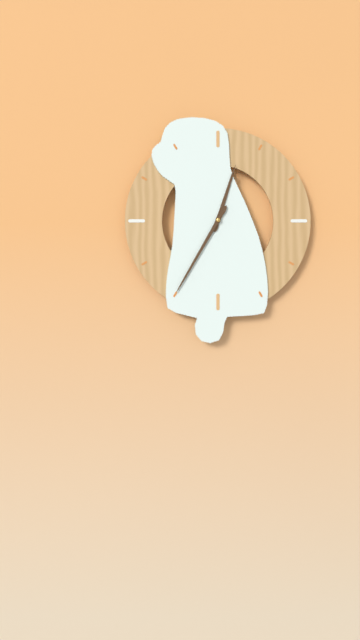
12:35
